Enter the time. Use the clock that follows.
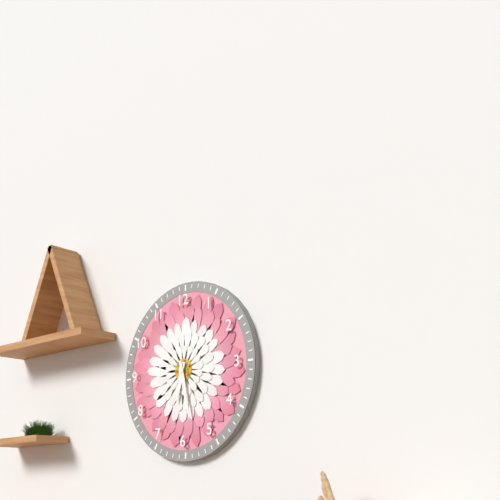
6:28
